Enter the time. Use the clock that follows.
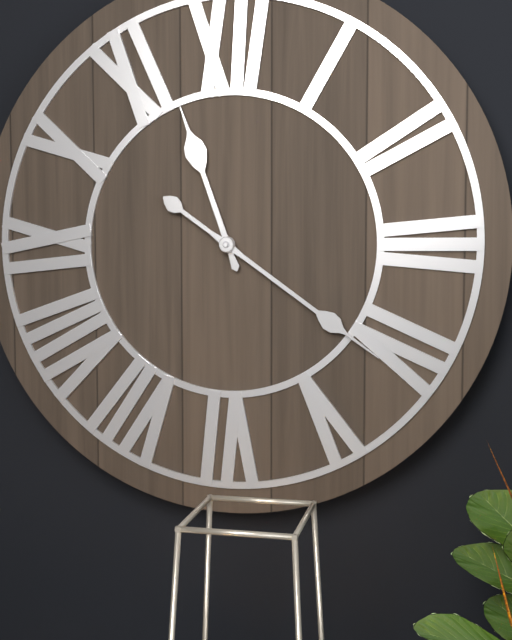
11:21
